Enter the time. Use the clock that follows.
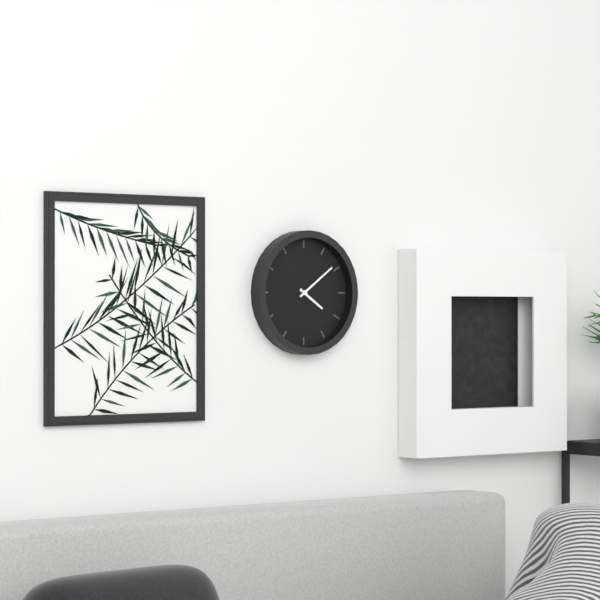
4:09
